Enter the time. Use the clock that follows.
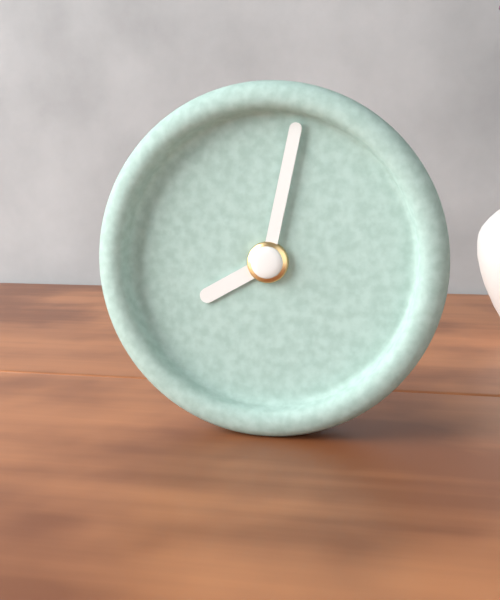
8:02
